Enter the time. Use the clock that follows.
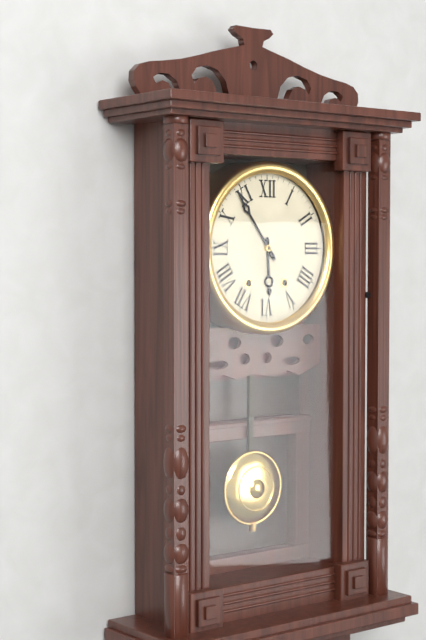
5:54
